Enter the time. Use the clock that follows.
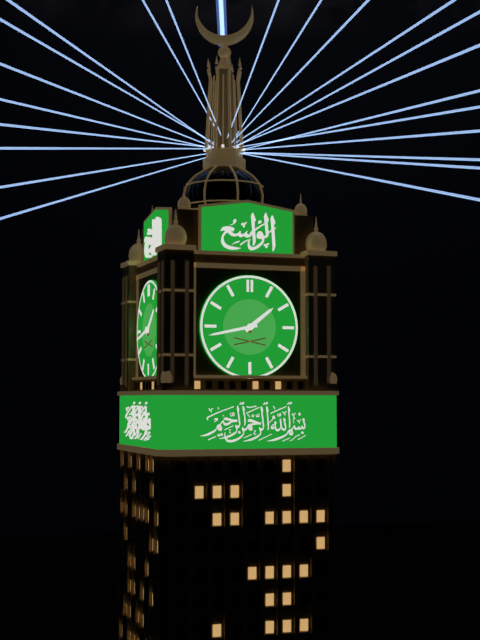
1:43
